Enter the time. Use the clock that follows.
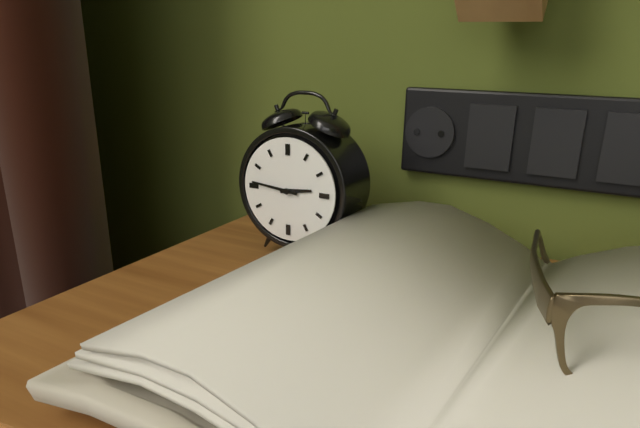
2:46
